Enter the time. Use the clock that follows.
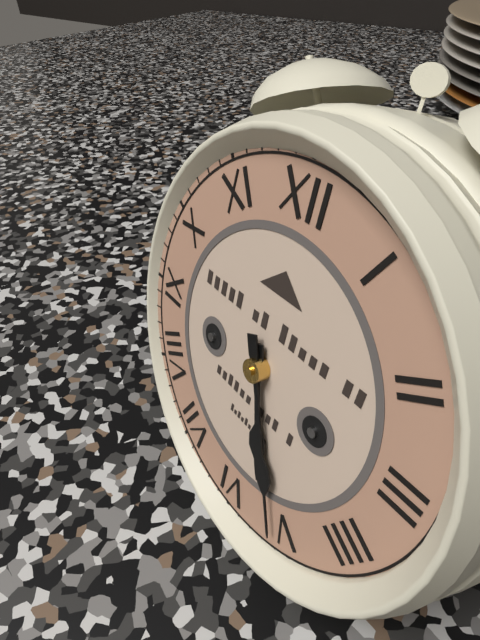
5:26
